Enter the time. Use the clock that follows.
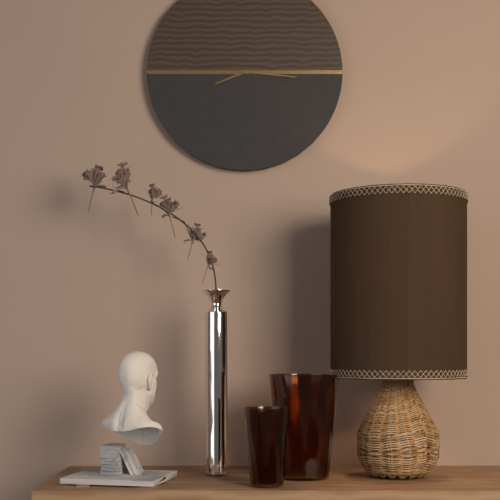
8:16
